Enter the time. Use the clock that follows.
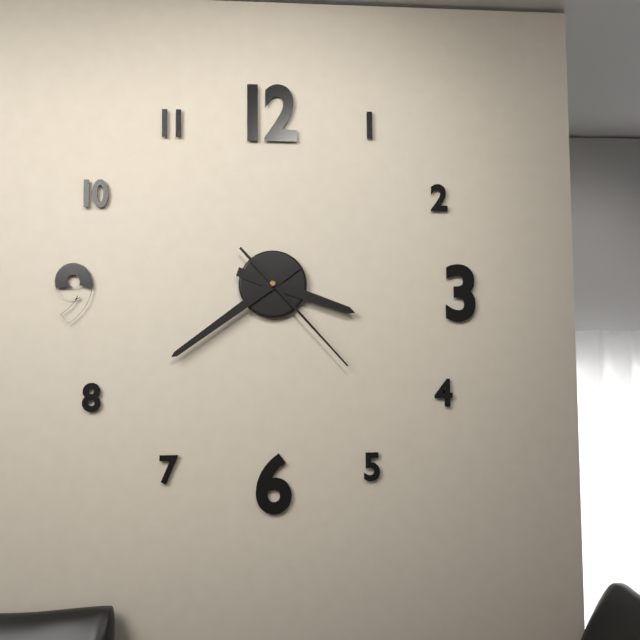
3:39:23
